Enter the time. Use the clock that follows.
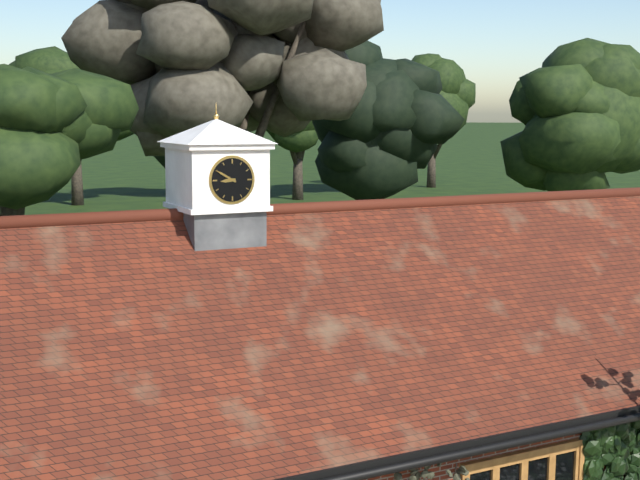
8:50
